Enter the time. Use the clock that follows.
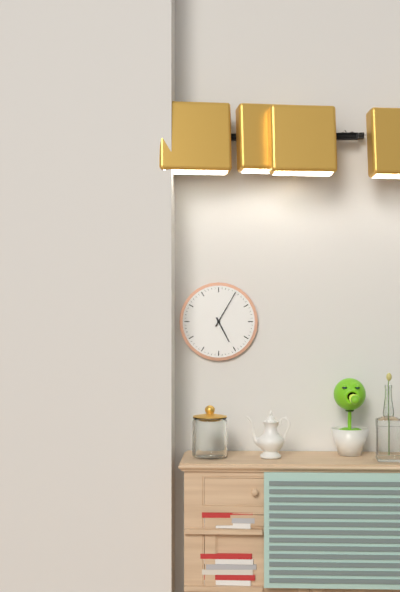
5:05
